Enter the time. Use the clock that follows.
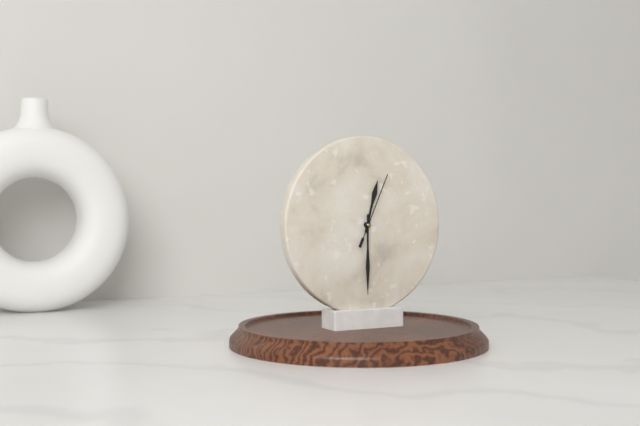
12:30:04
